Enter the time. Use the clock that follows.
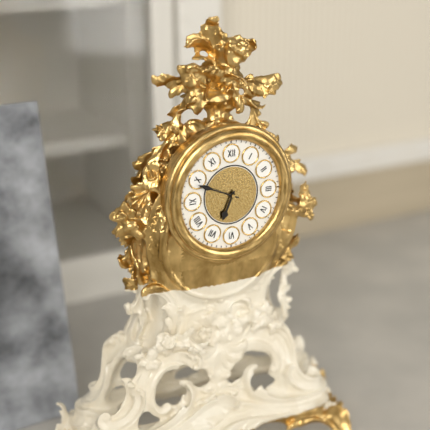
6:49
